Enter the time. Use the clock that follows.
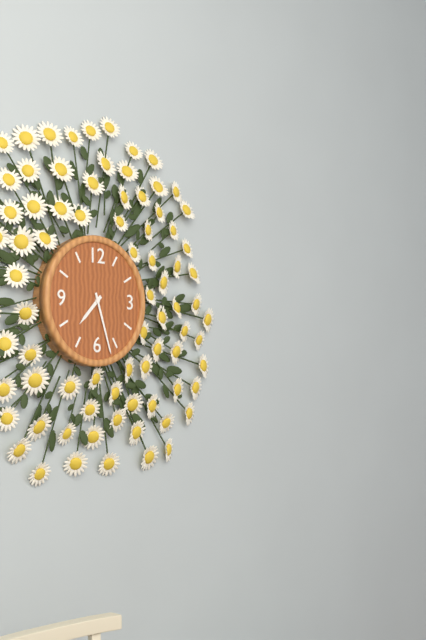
7:27
